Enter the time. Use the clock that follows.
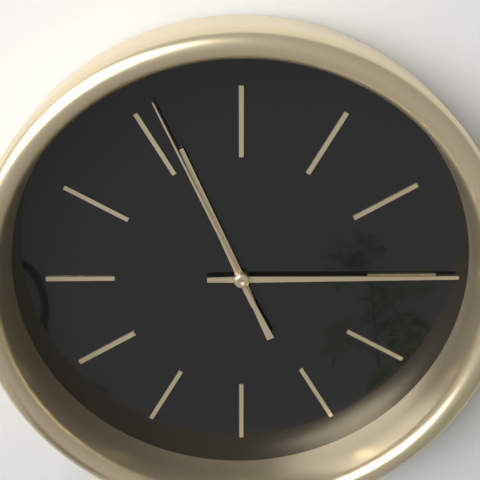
11:15:56
